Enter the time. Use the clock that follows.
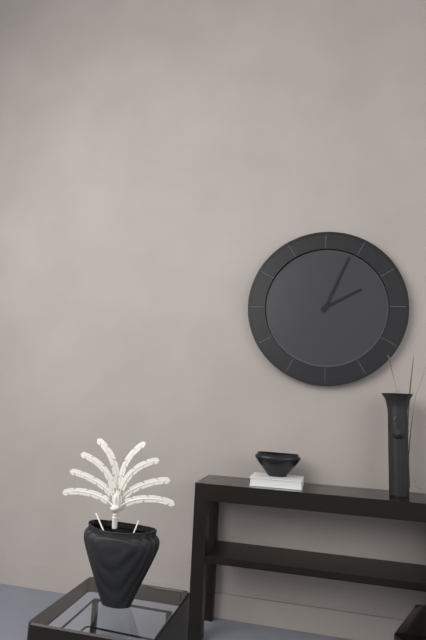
2:04
